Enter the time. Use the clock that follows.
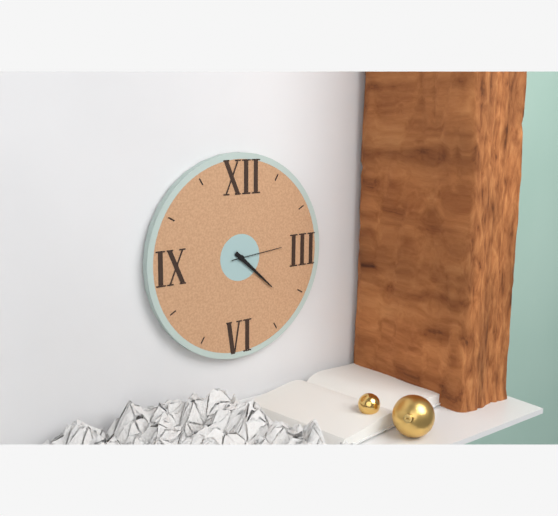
4:22:14
